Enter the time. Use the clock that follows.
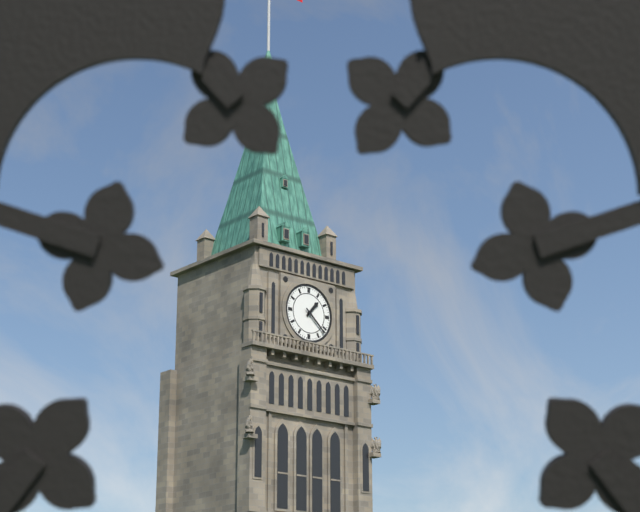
1:22
